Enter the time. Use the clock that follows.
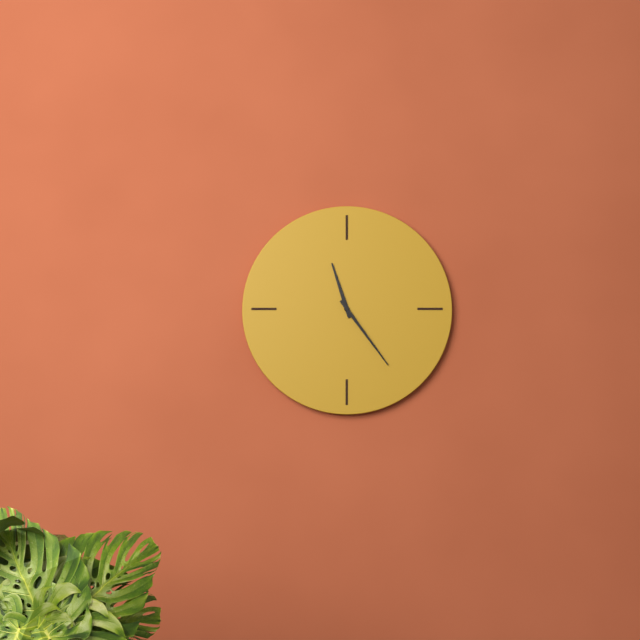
11:24
